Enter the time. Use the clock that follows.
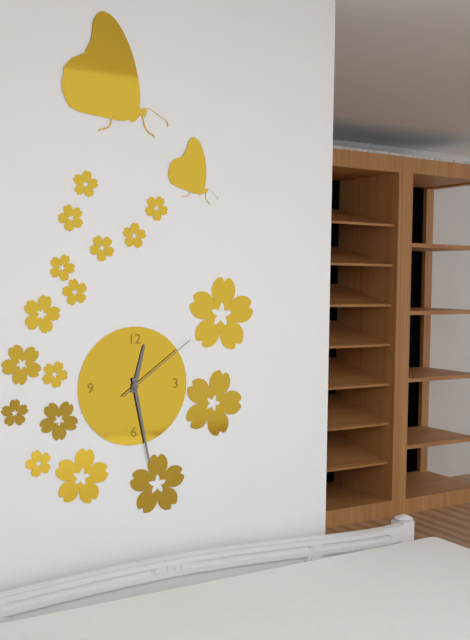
12:28:09
